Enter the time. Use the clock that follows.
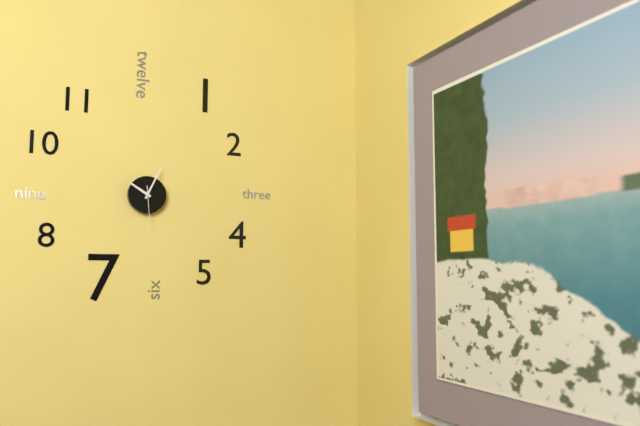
10:04
